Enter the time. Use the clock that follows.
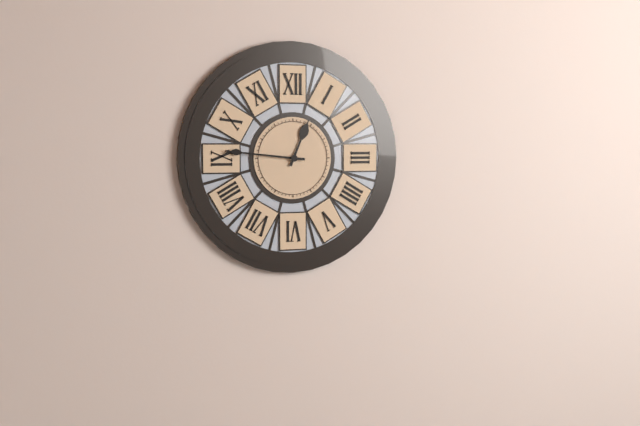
12:46
